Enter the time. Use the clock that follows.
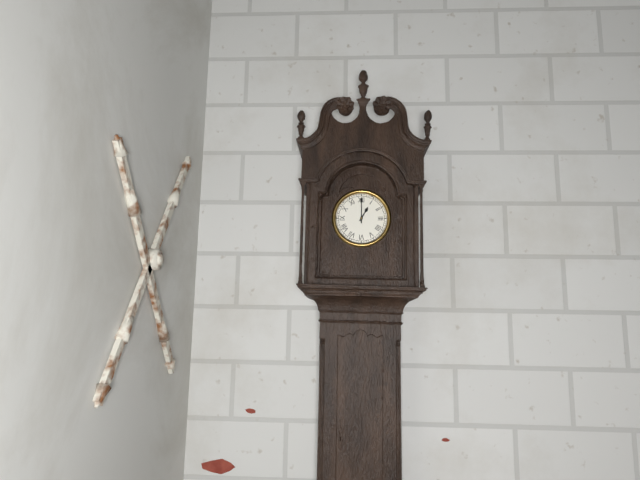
1:00
